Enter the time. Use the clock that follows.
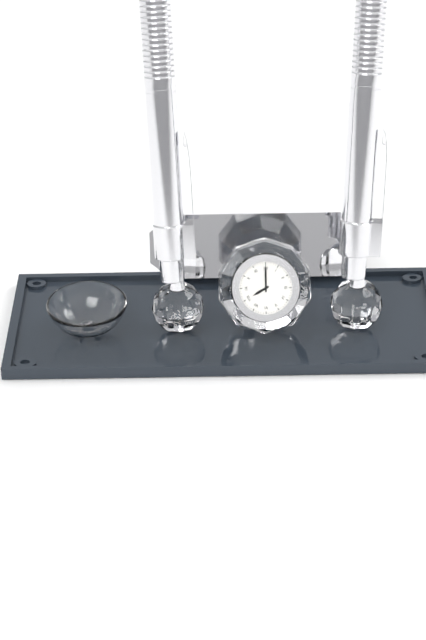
8:00
